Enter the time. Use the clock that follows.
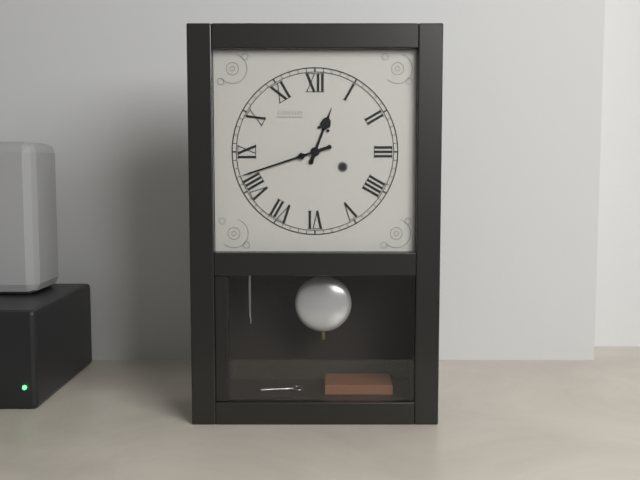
12:42
